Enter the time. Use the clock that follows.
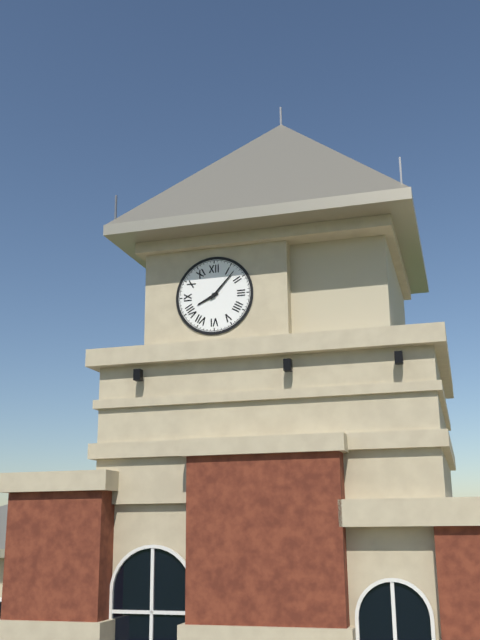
8:07
